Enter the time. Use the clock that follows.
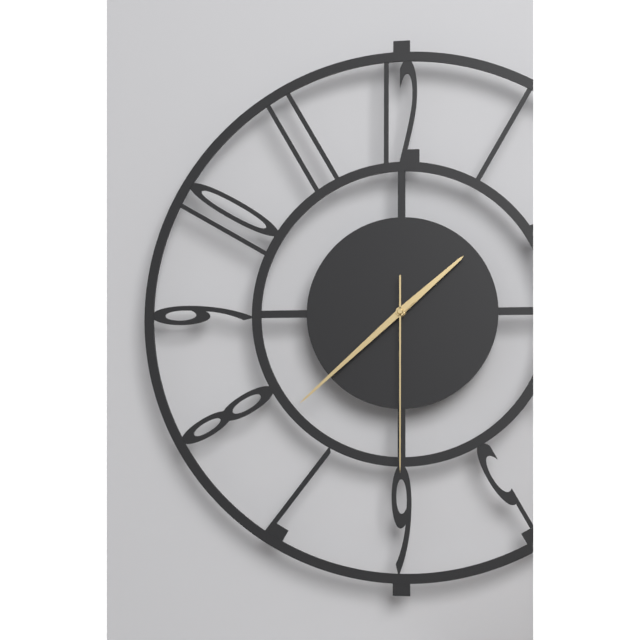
1:38:30
